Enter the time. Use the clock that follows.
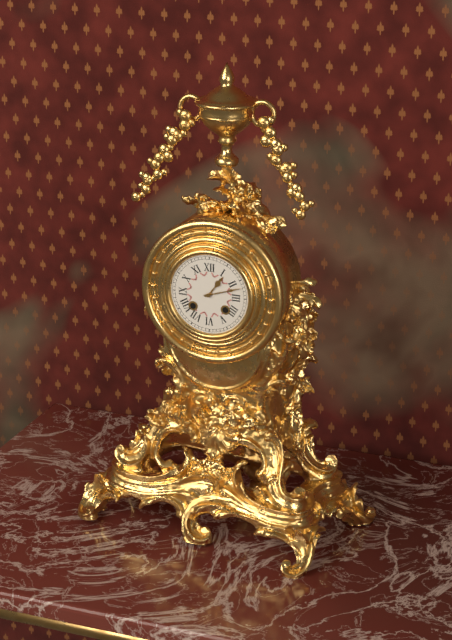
1:12
